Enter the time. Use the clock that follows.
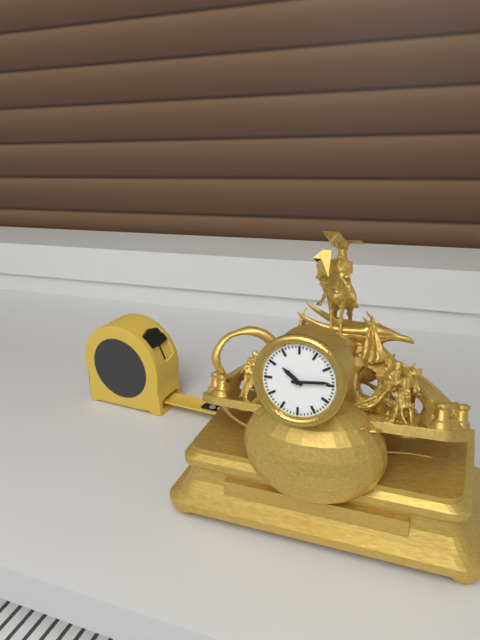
10:14
